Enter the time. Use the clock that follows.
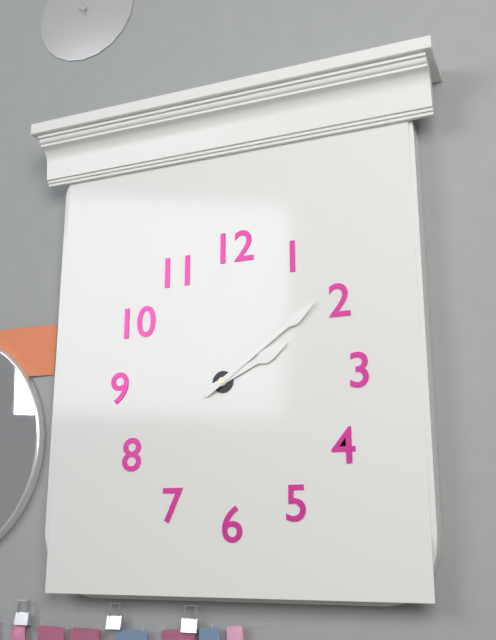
2:09
